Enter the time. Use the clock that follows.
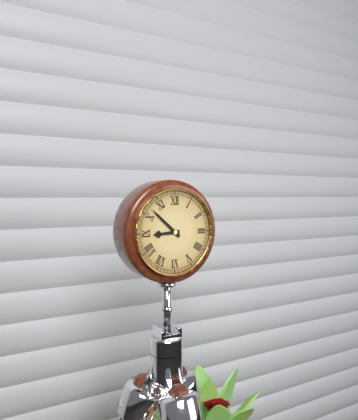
8:52
